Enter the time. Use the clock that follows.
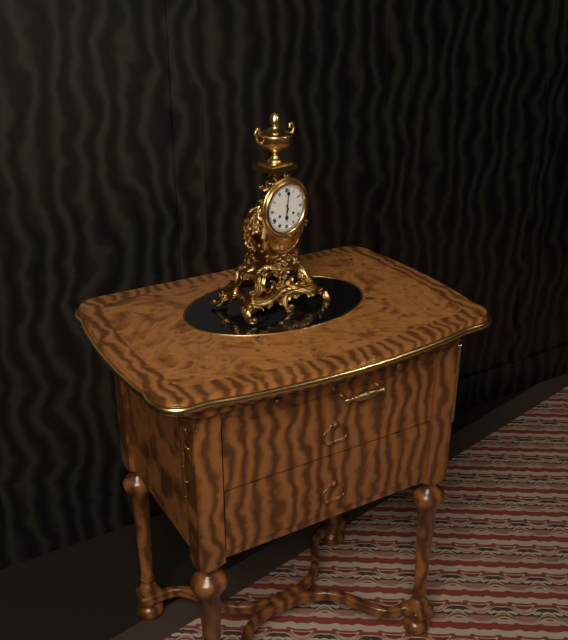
6:01
